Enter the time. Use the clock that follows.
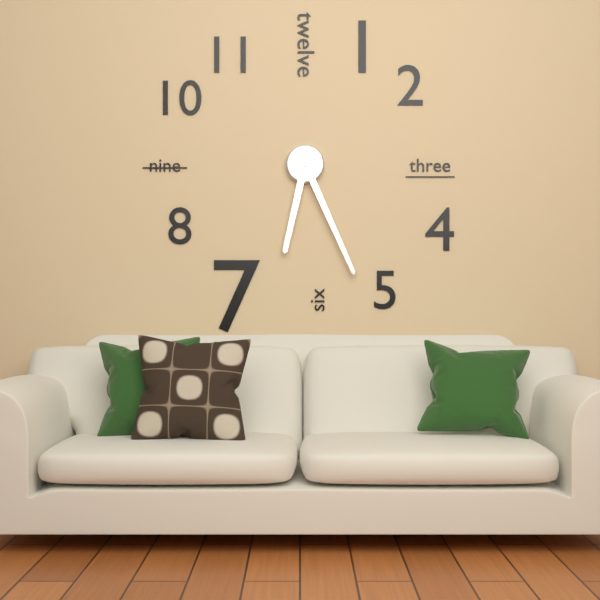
6:26
